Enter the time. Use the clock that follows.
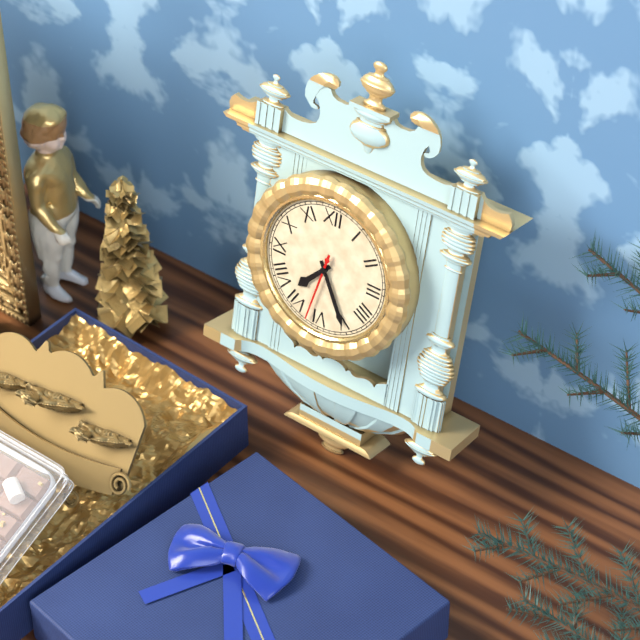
7:25:32
